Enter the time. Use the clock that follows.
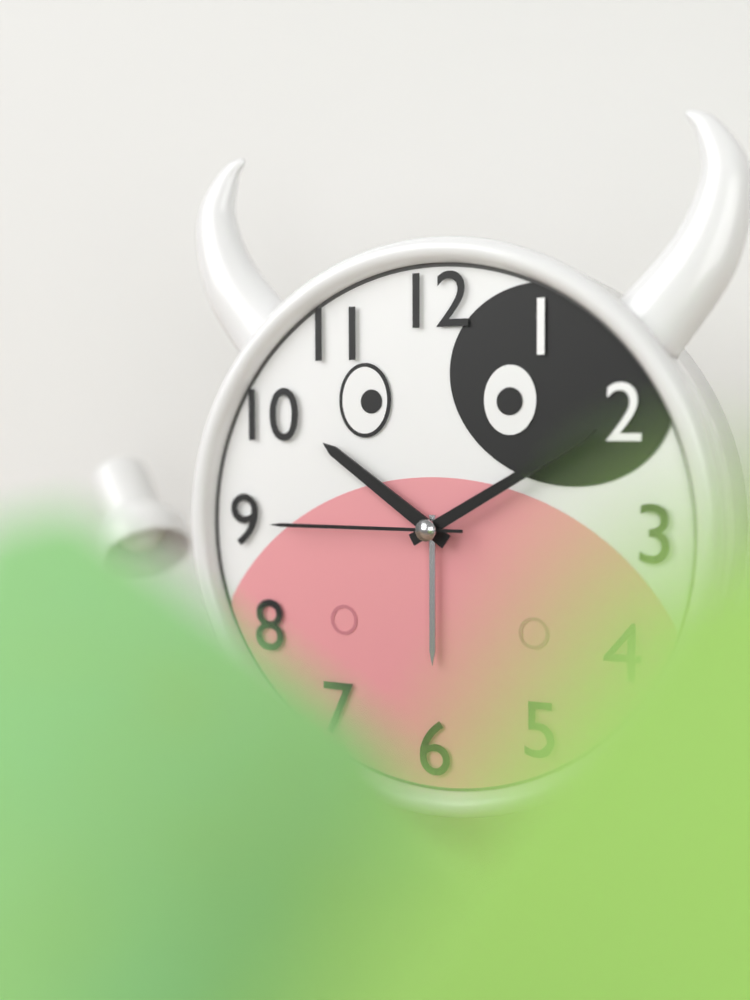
10:10:45
